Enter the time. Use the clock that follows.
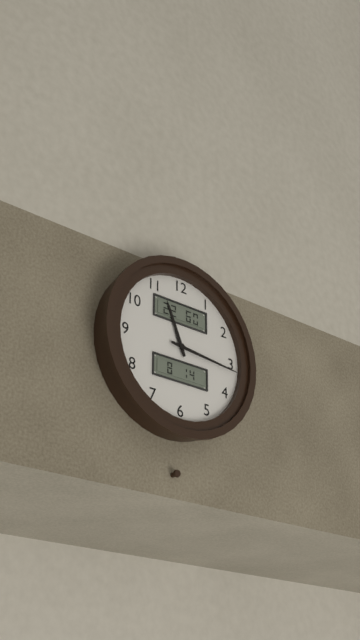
11:16
